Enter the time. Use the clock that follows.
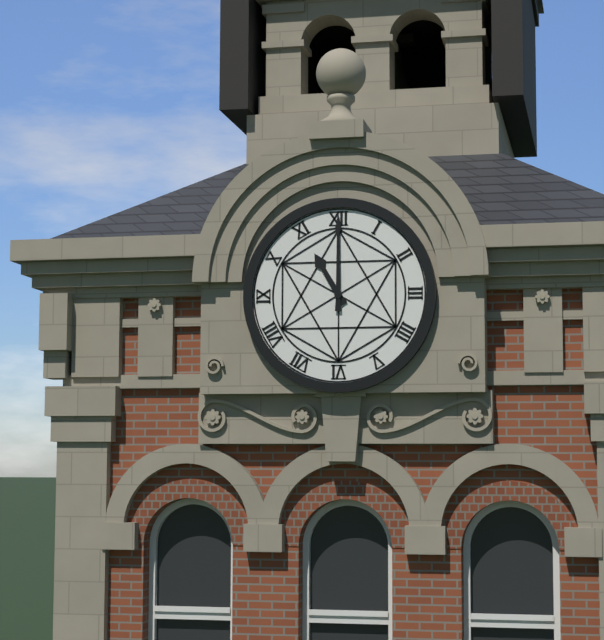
11:00
